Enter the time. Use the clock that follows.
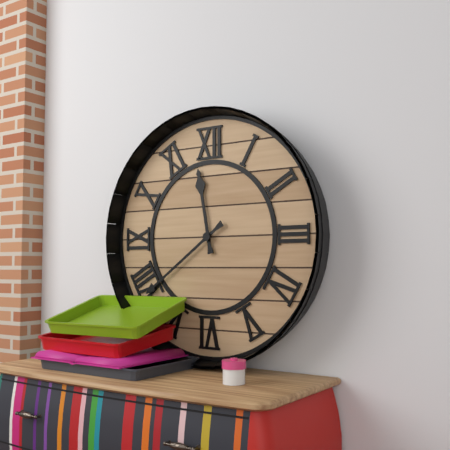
11:39
